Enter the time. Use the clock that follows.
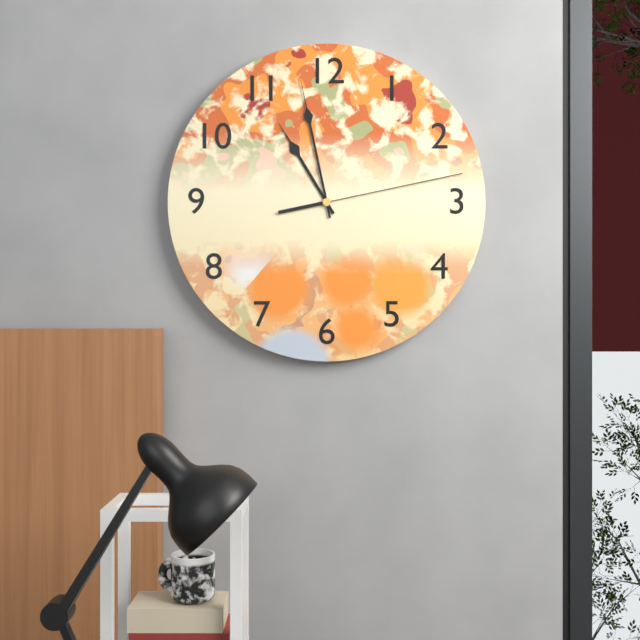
10:58:13
